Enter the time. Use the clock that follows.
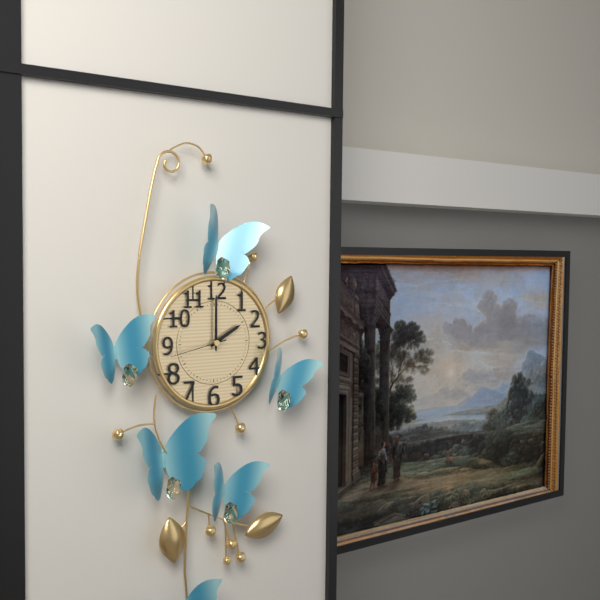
2:00:43
